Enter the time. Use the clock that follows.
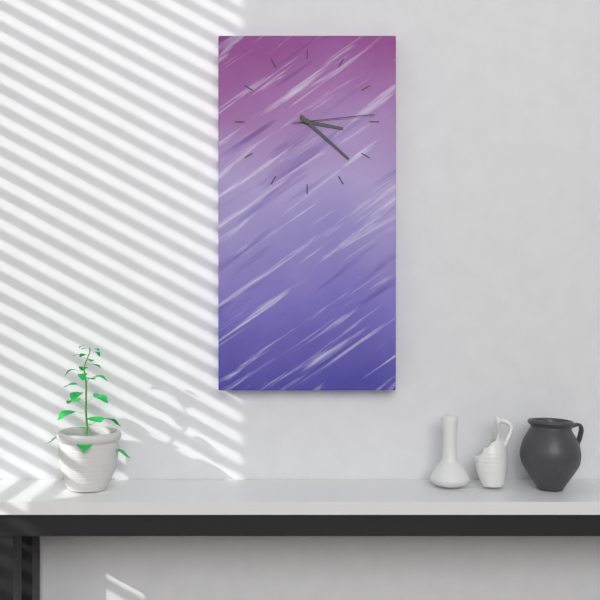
3:22:14
